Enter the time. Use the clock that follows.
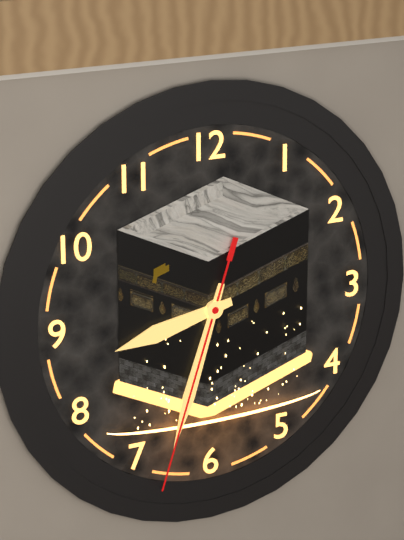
8:33:33
